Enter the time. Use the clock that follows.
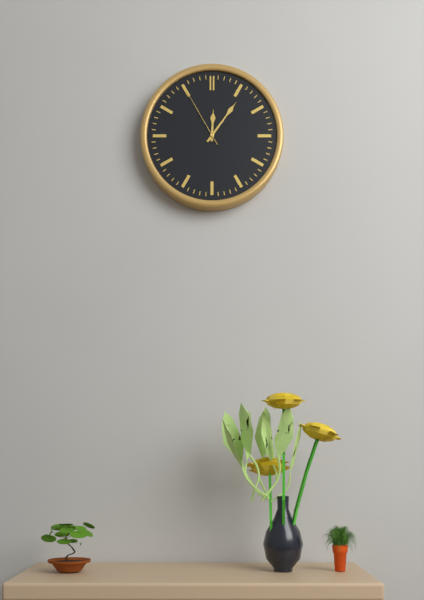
12:06:55
